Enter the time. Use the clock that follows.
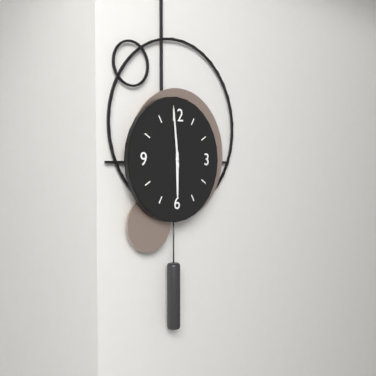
5:59
